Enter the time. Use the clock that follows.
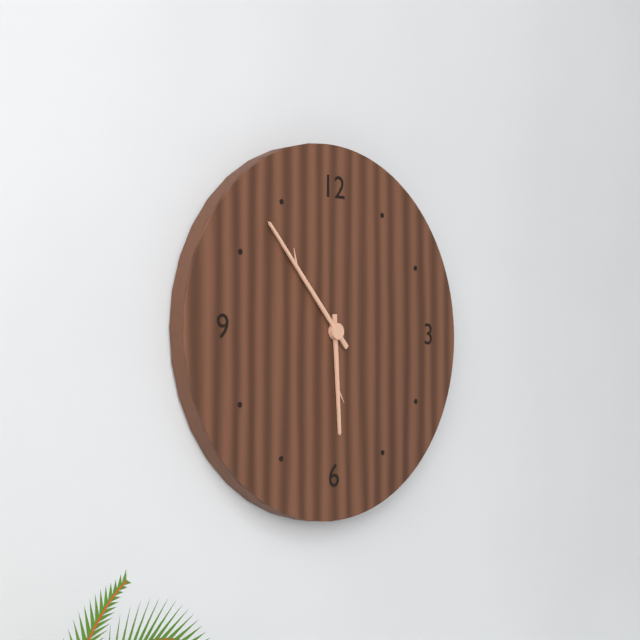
5:53
